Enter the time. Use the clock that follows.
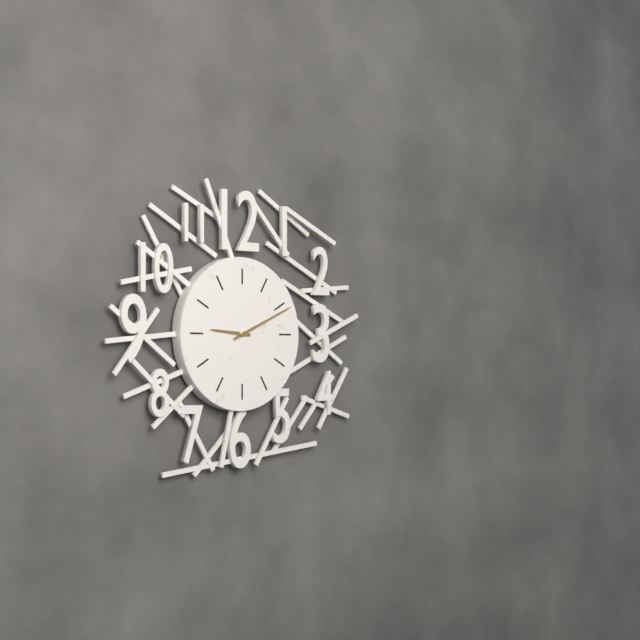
9:11
